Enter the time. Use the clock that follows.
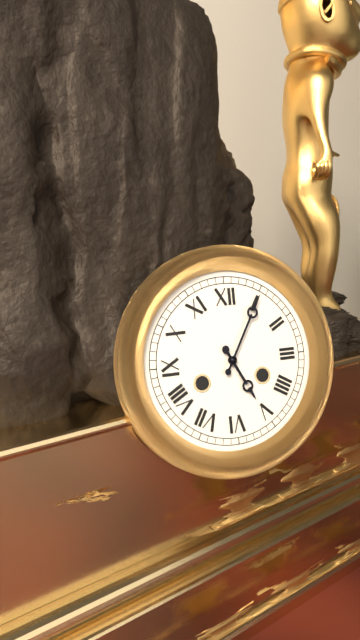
5:05
